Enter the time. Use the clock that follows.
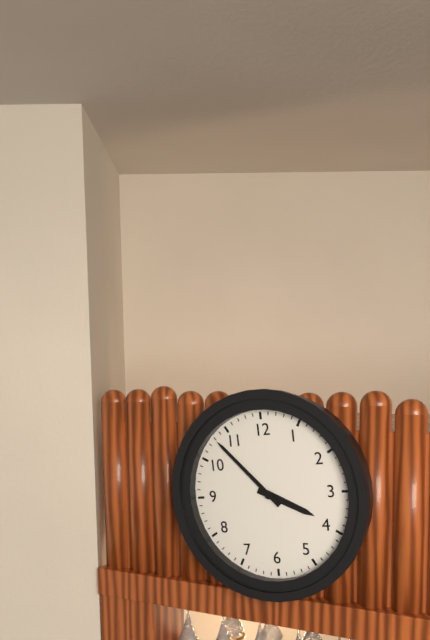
3:53
